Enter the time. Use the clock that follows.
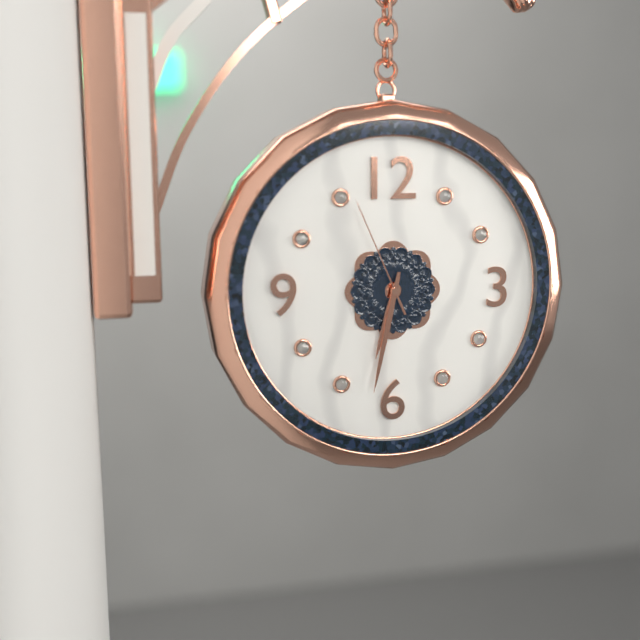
6:32:56
